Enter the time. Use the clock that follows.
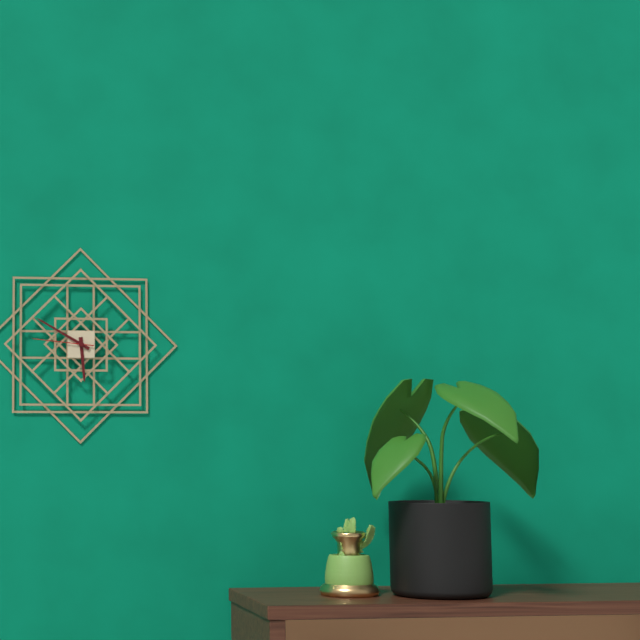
5:50:46
